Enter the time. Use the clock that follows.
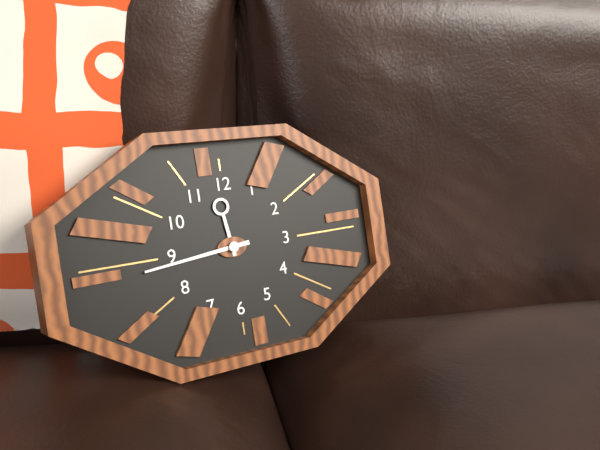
11:44
